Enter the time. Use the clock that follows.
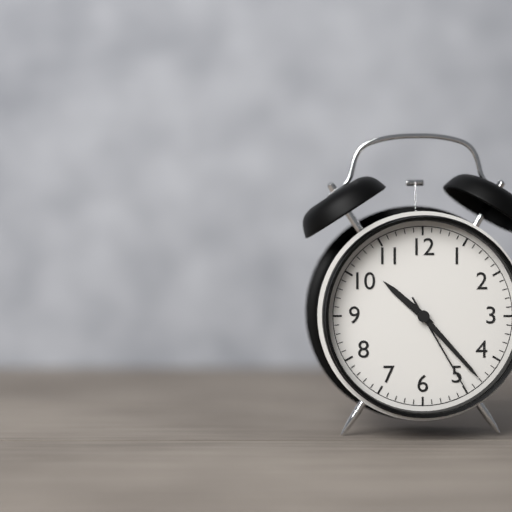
10:23:25
